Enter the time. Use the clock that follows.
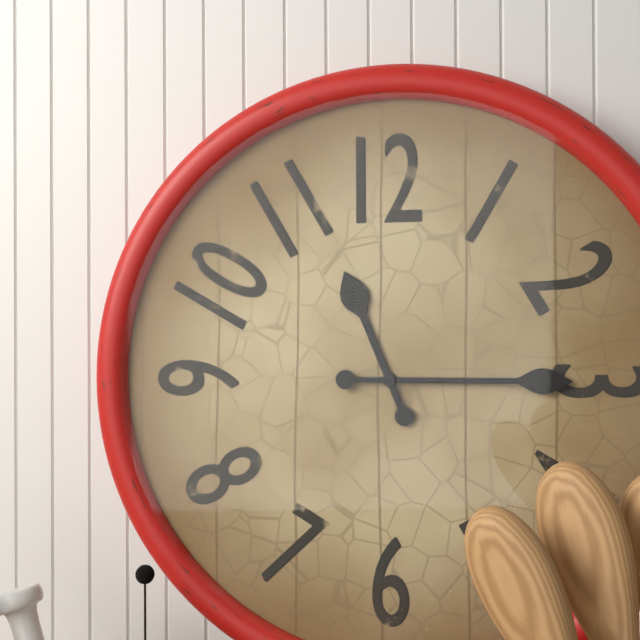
11:15
